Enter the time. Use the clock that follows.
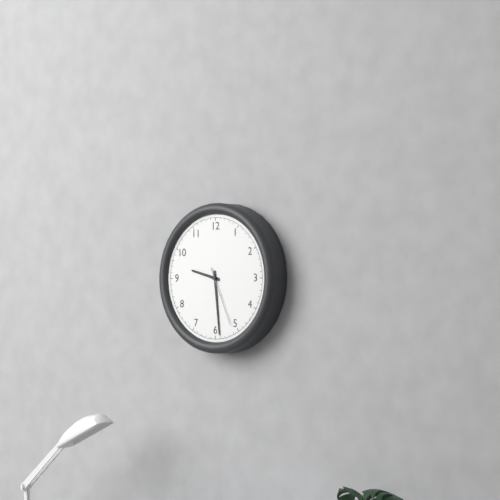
9:29:26
